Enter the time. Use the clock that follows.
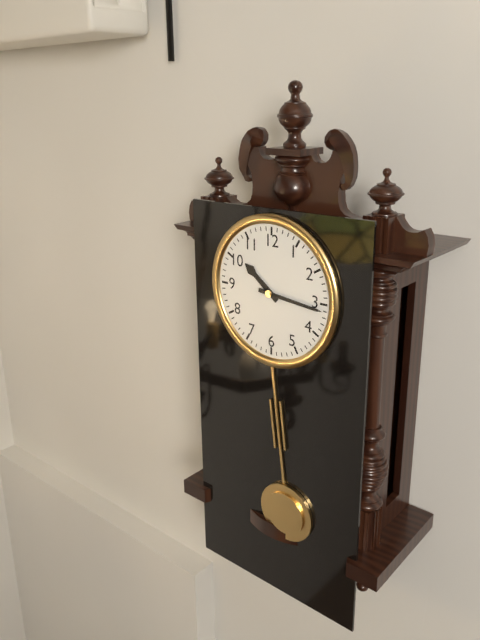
10:16
